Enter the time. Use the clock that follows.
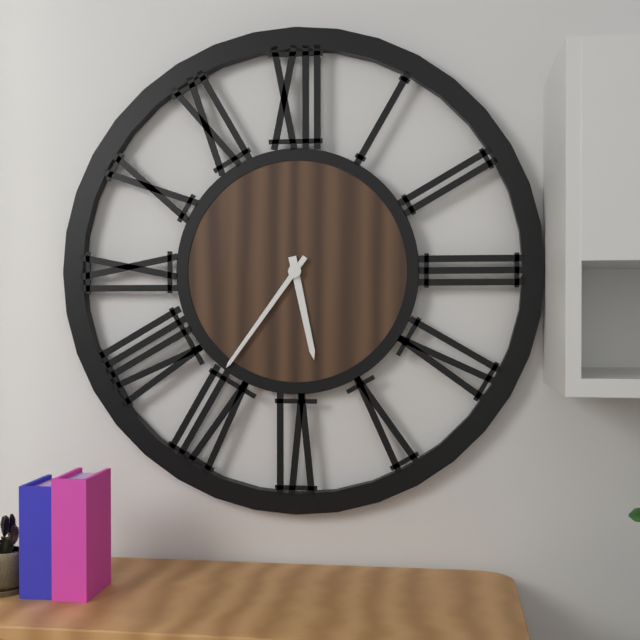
5:36
